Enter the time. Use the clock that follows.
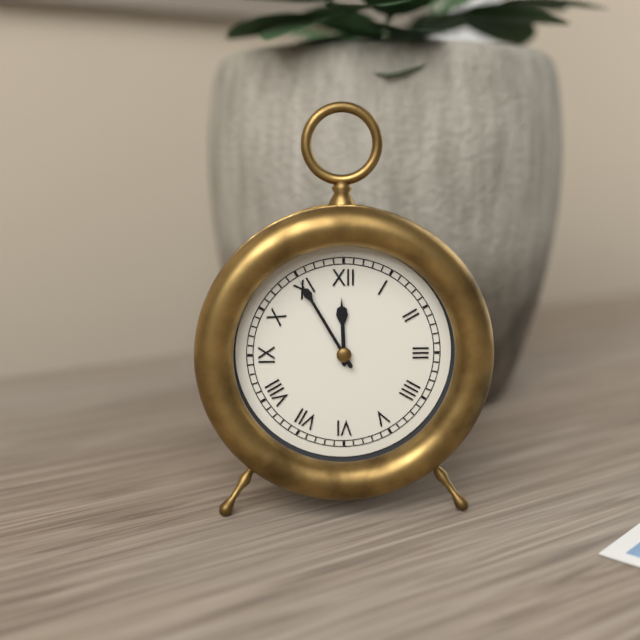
11:55
